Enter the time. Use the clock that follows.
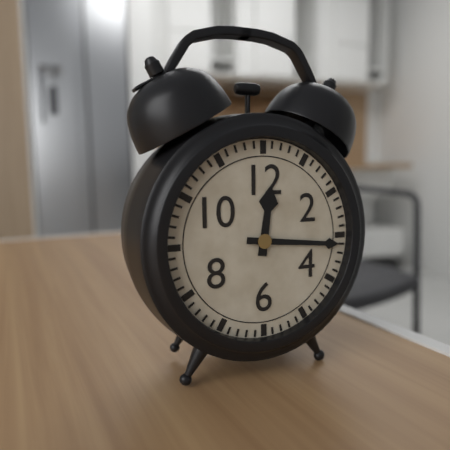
12:16
